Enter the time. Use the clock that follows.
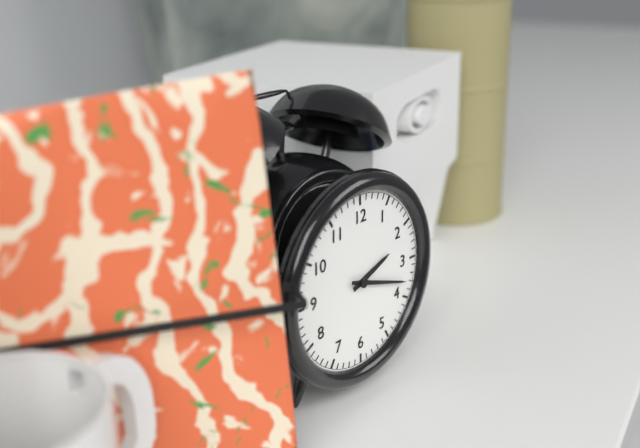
2:18
